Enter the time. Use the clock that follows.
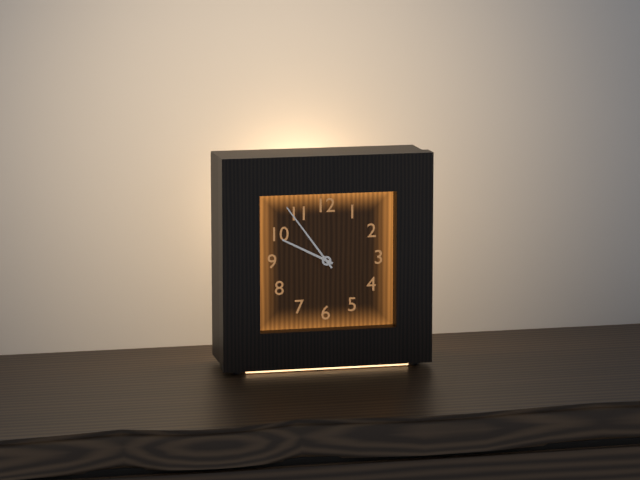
9:54
